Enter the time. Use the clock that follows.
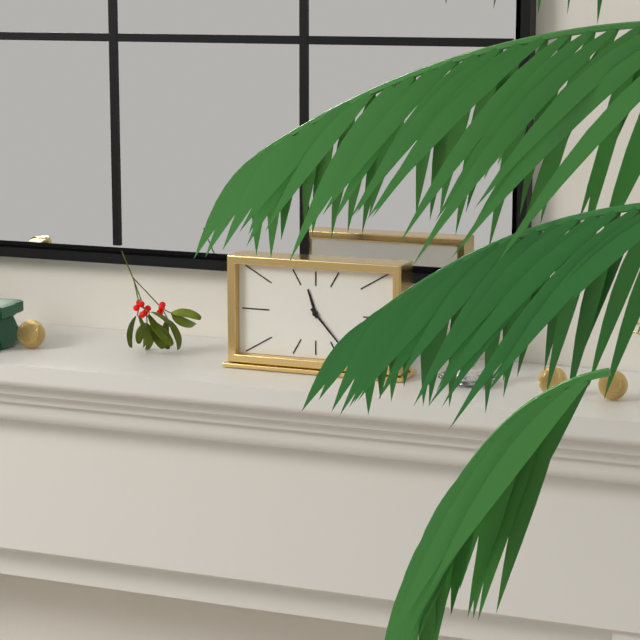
11:23
